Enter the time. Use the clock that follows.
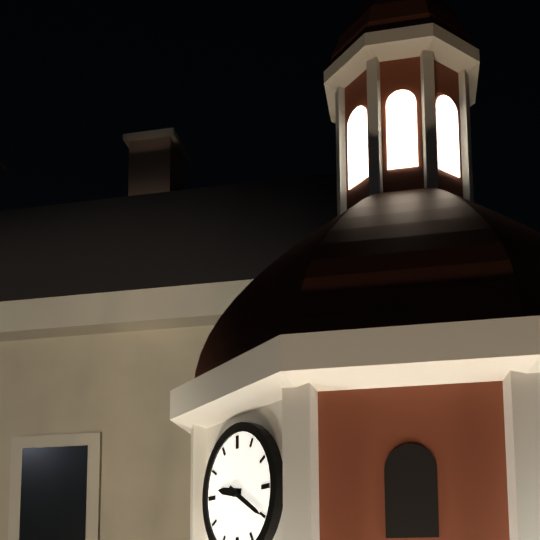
9:20
